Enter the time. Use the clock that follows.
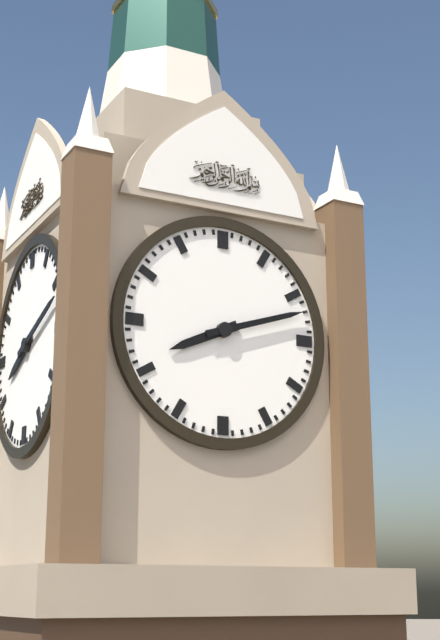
8:12
